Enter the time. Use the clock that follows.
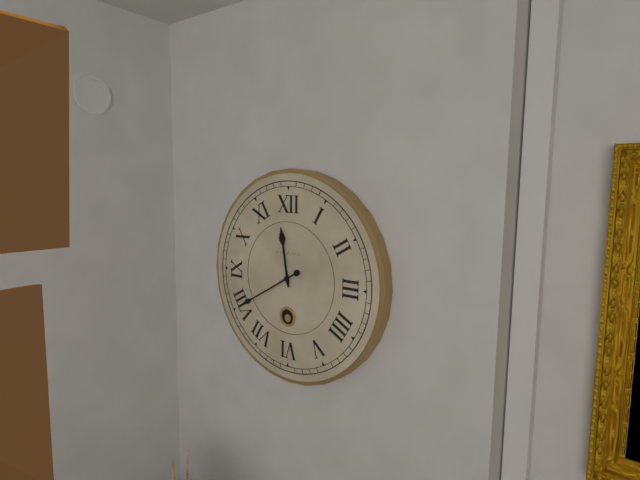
11:40
